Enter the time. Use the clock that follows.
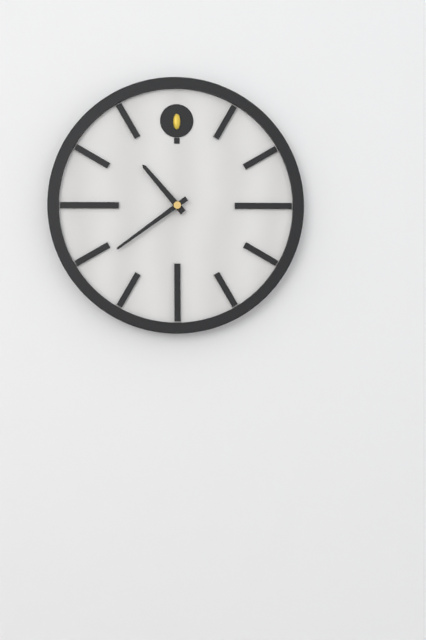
10:39
